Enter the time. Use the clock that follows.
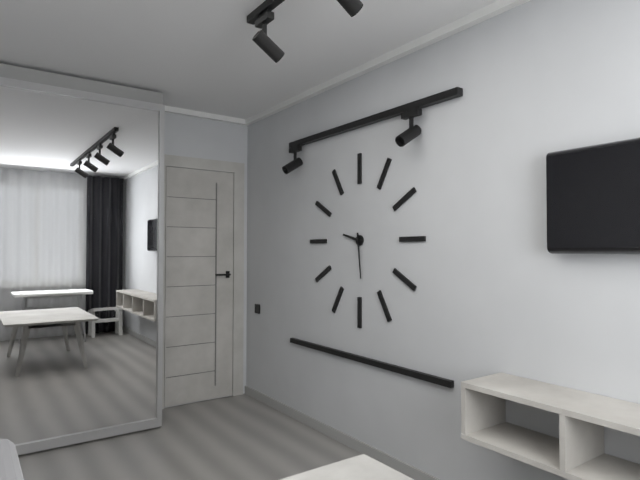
9:29
